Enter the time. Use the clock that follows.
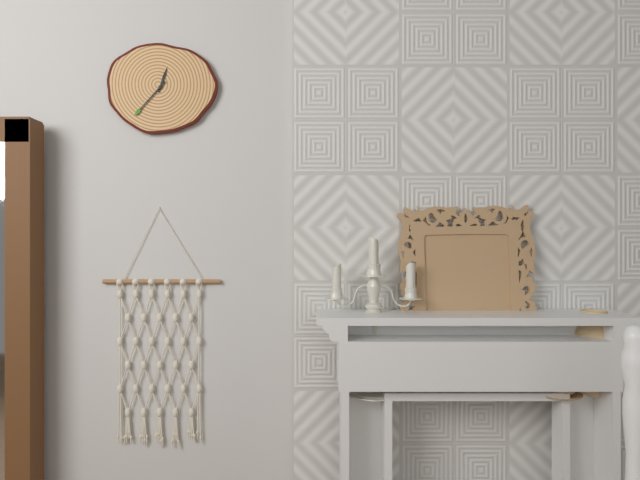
12:37
